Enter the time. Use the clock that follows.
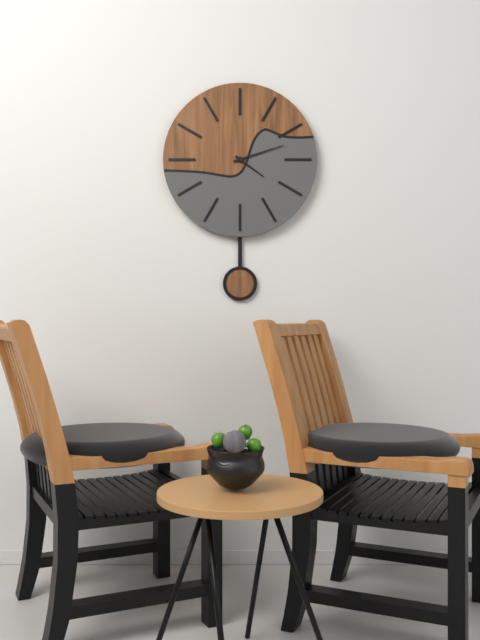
4:12
